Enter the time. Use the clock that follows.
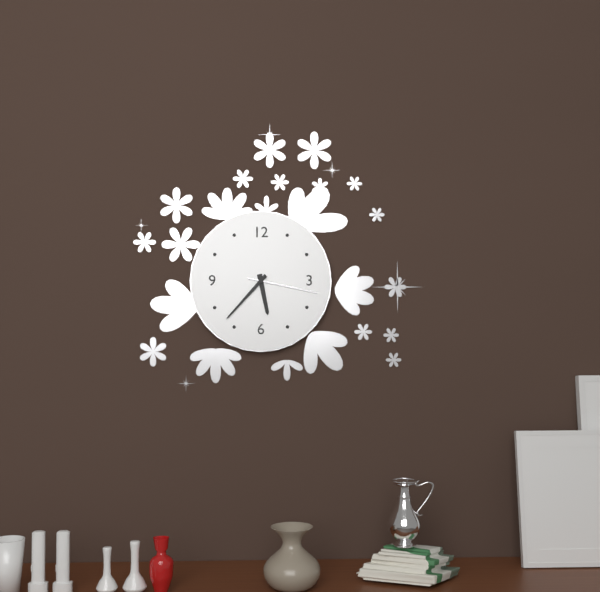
5:37:17
